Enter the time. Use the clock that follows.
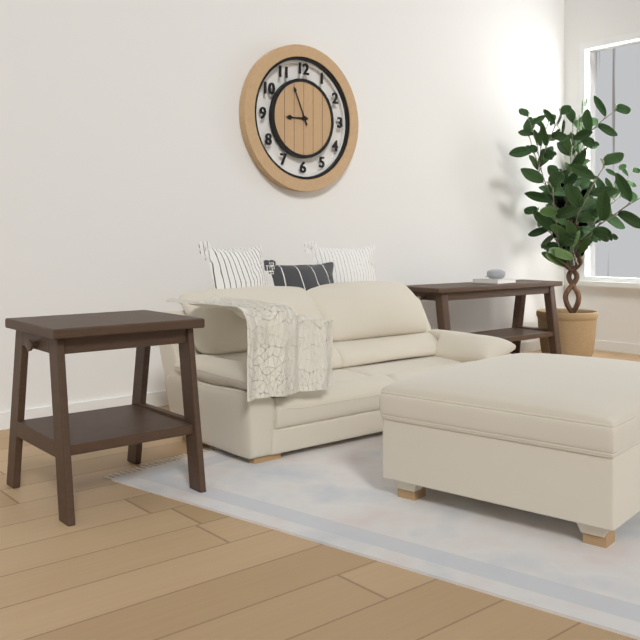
8:56
